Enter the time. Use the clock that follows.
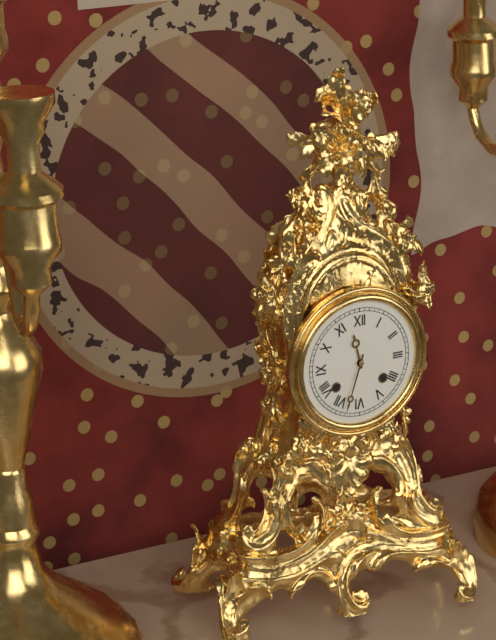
11:33
